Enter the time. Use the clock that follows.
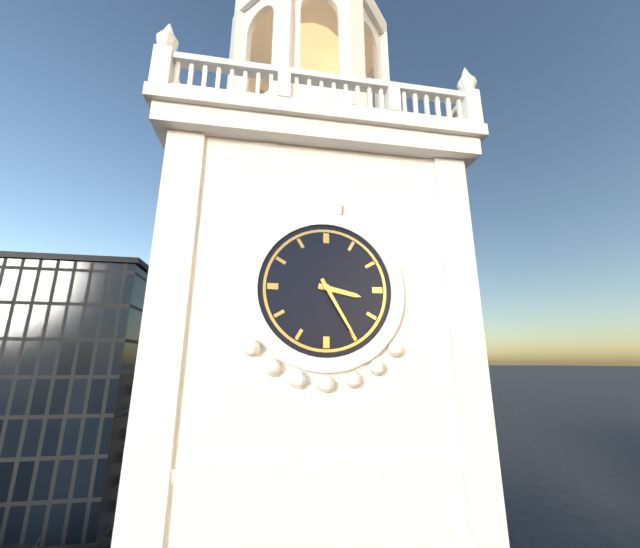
3:25
